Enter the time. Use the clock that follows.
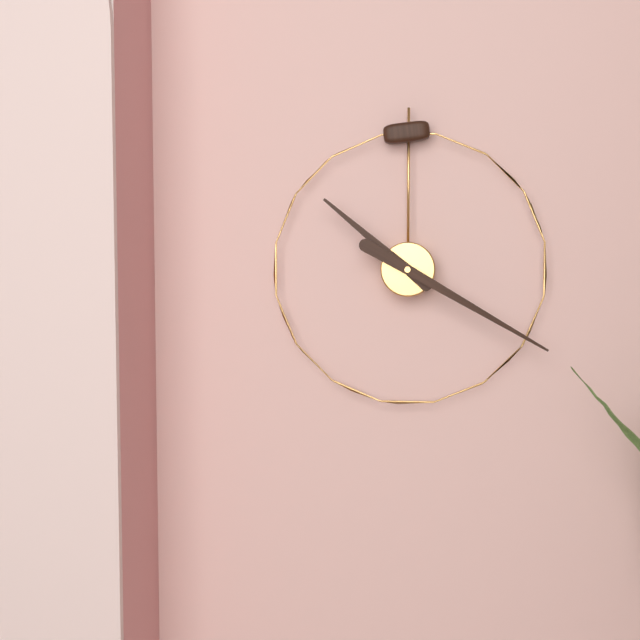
10:20
